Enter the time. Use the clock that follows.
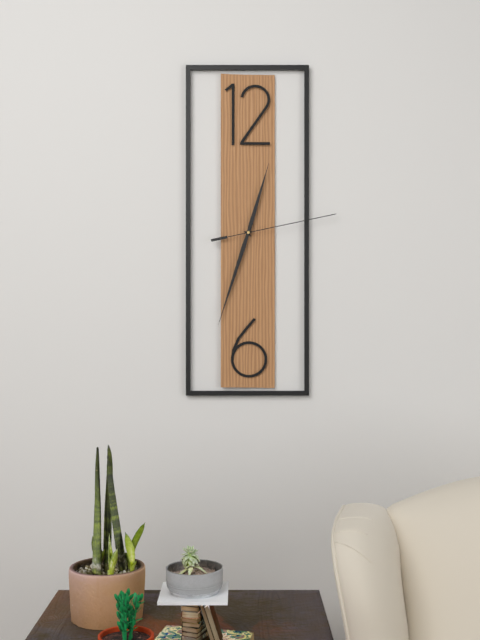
12:33:13
